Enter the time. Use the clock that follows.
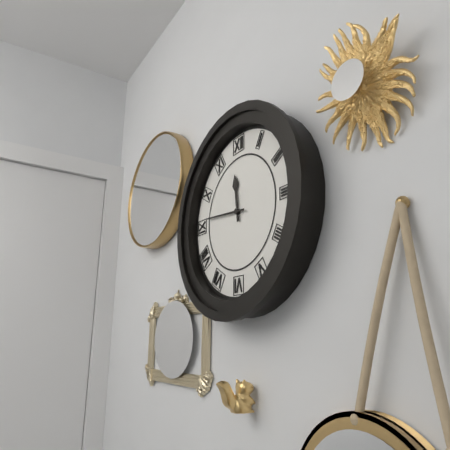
11:46
